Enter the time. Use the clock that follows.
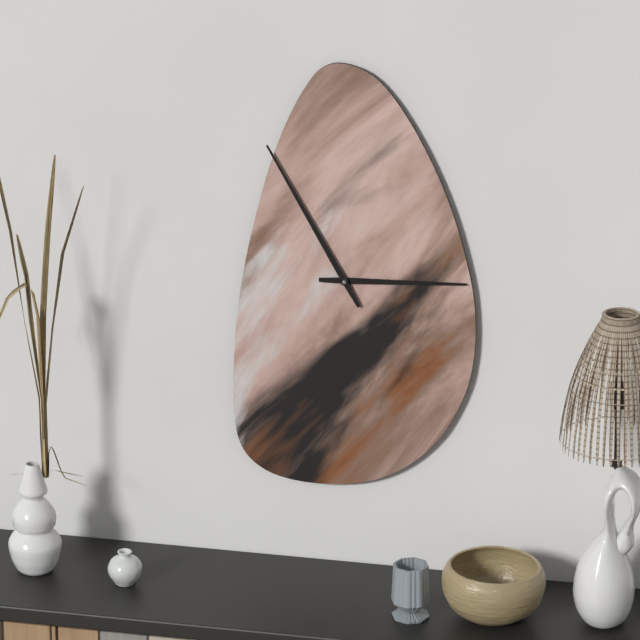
2:55
